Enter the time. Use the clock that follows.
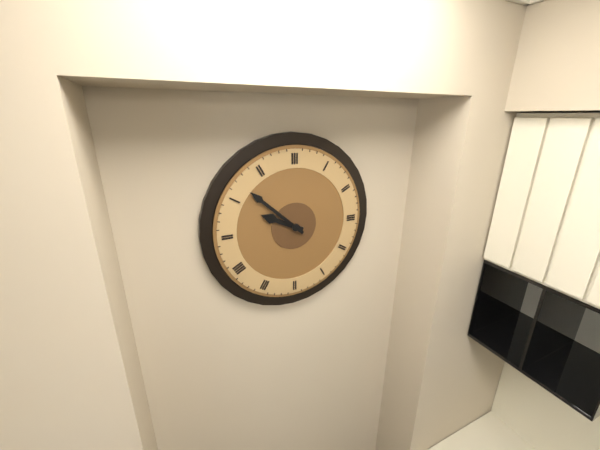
9:52
